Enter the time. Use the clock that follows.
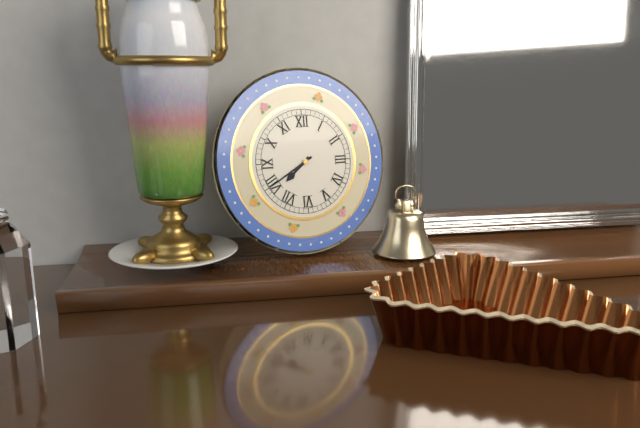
7:40
